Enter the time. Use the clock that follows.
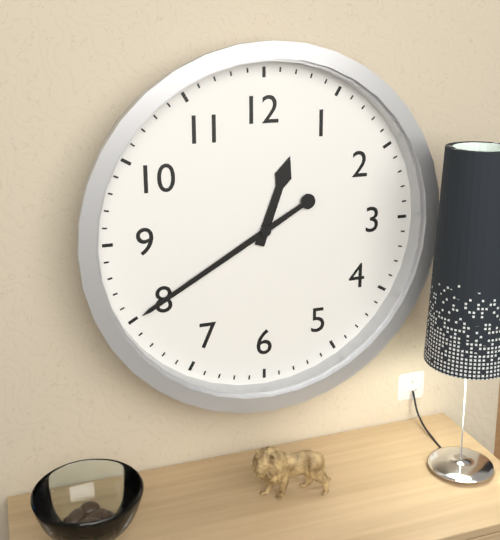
12:40
